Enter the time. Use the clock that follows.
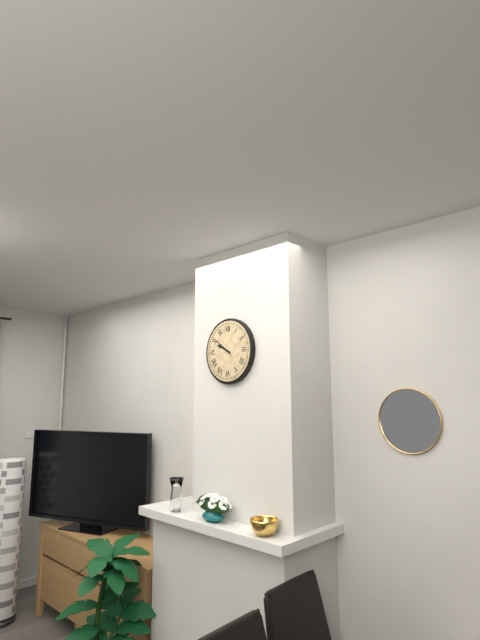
9:51
